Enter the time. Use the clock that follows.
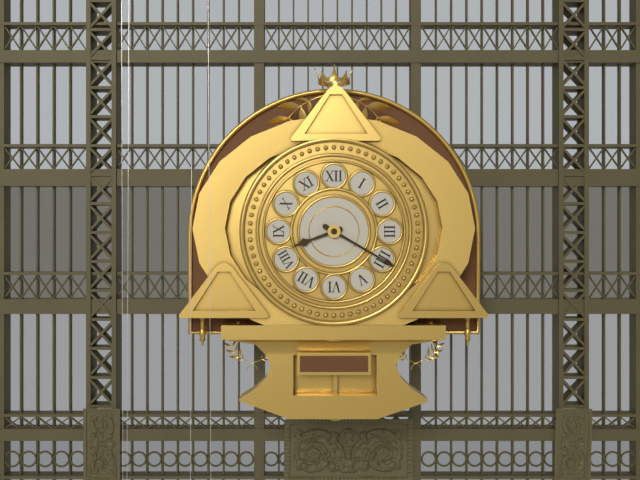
8:20
